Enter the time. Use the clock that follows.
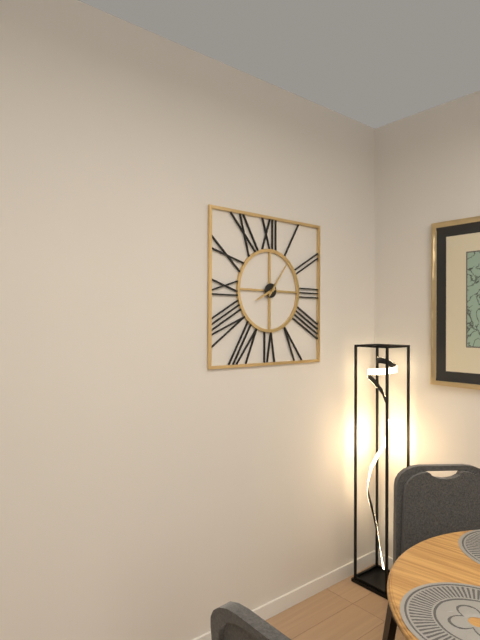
8:06
